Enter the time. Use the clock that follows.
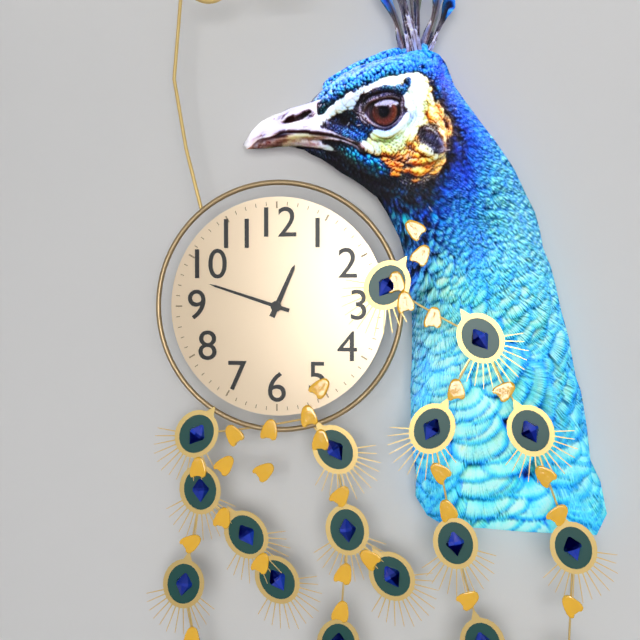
12:48
